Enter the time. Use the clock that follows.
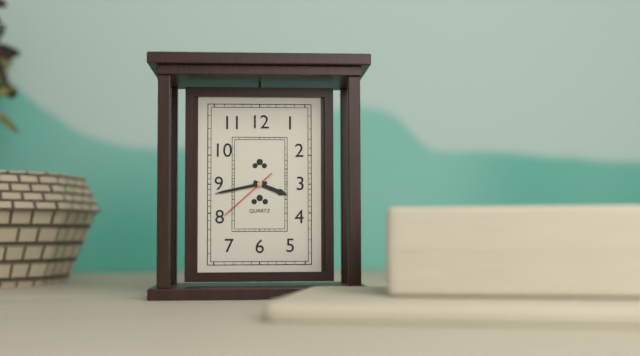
3:43:38
